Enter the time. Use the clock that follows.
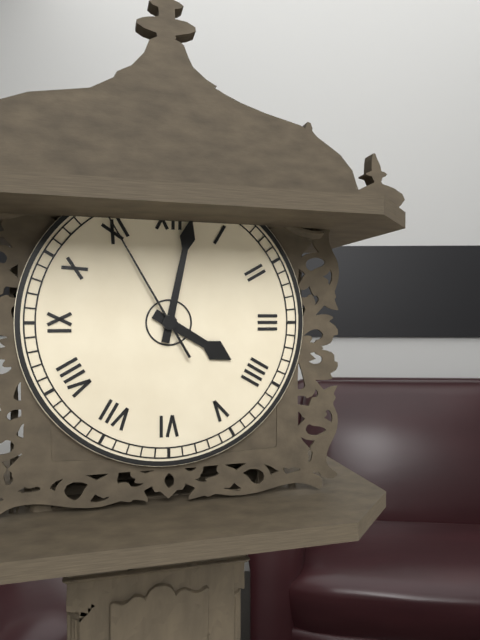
4:02:55
